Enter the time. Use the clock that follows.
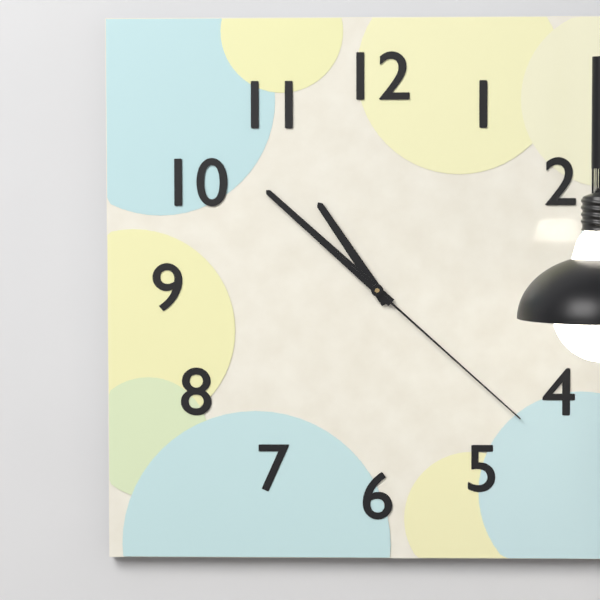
10:52:22
